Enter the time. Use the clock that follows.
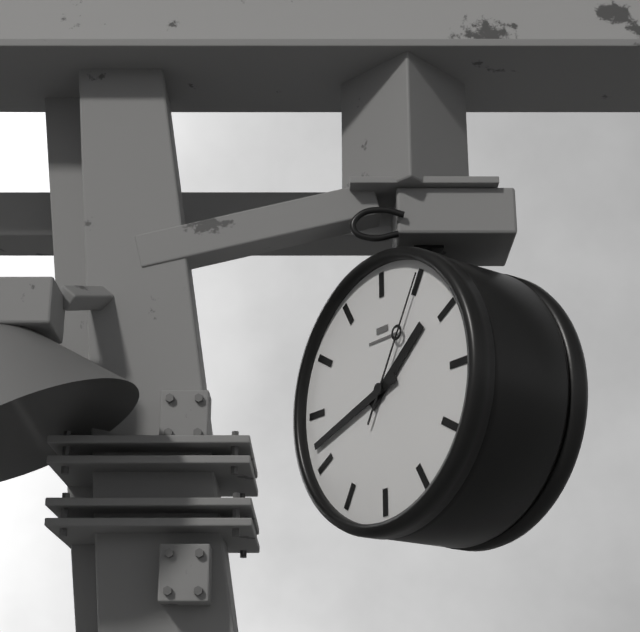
1:42:05
